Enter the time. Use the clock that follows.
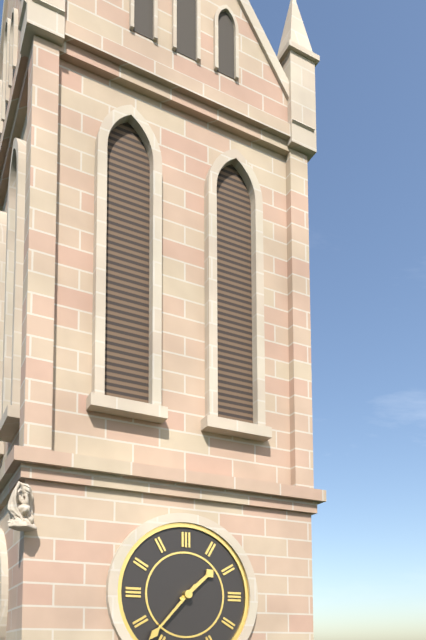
1:37
